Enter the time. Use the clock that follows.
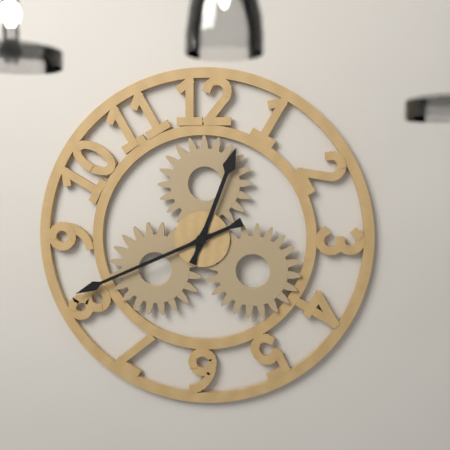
12:41
